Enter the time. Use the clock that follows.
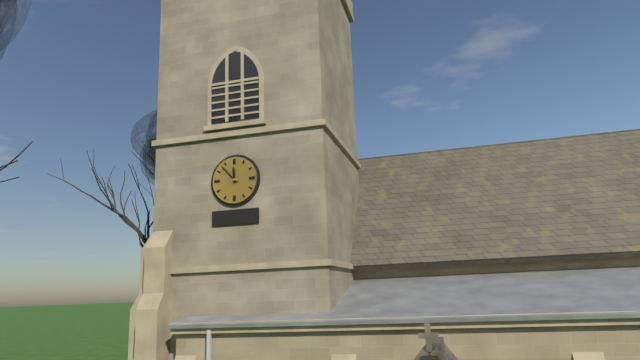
11:53
